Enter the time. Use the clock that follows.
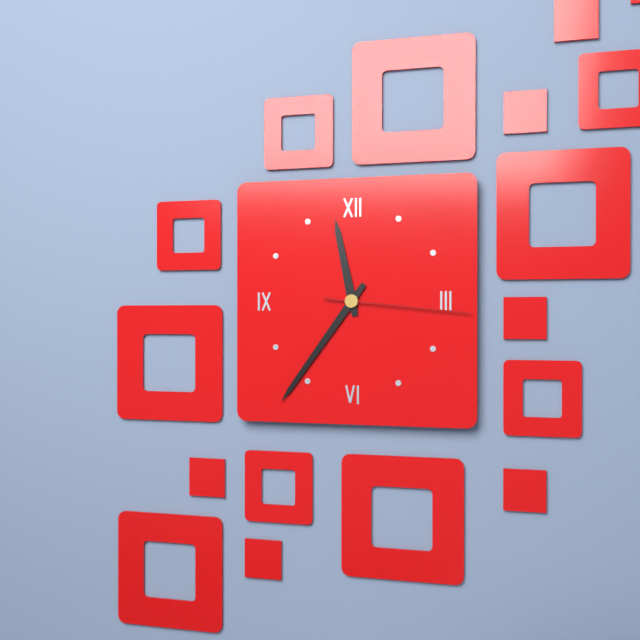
11:36:16
